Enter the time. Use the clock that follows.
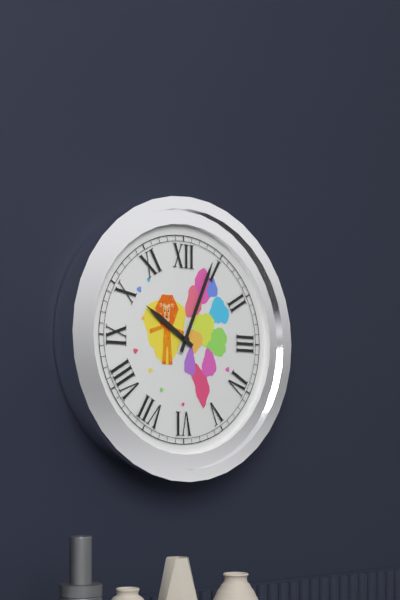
10:04
